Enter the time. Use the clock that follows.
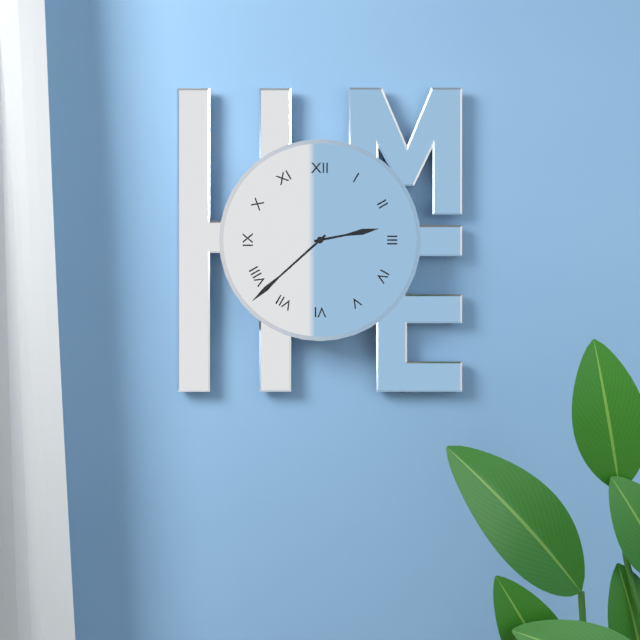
2:38
